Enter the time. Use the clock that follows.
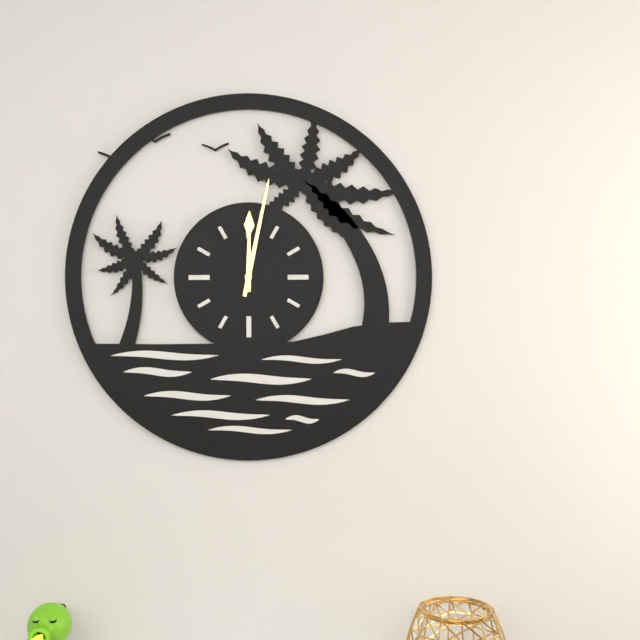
12:02
